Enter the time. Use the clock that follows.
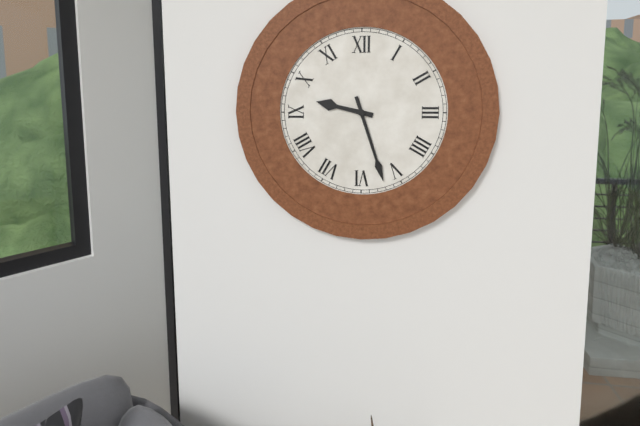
9:27
